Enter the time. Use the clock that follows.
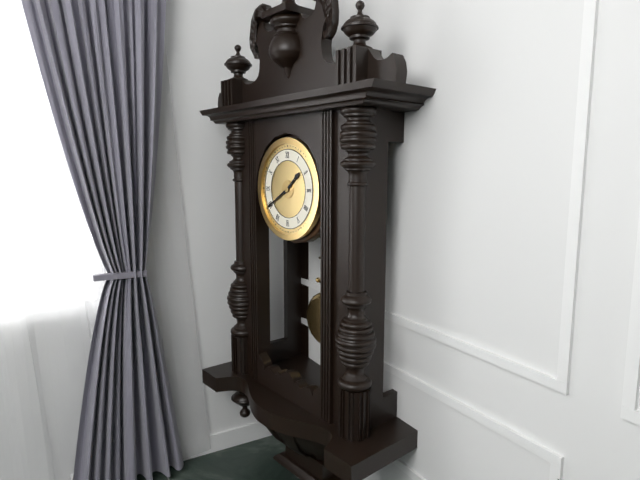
1:40
